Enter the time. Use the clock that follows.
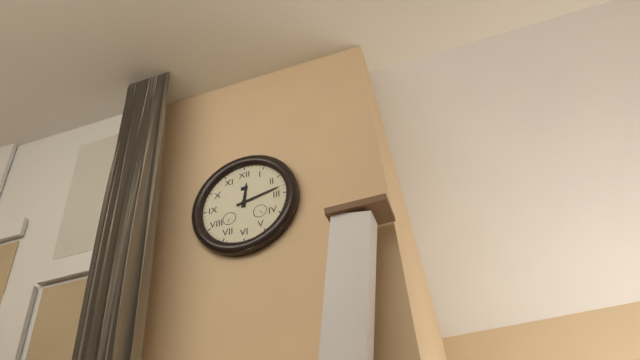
12:13
